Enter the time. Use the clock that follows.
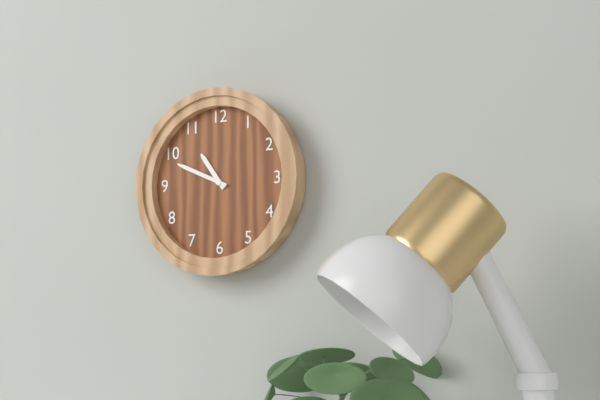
10:49
